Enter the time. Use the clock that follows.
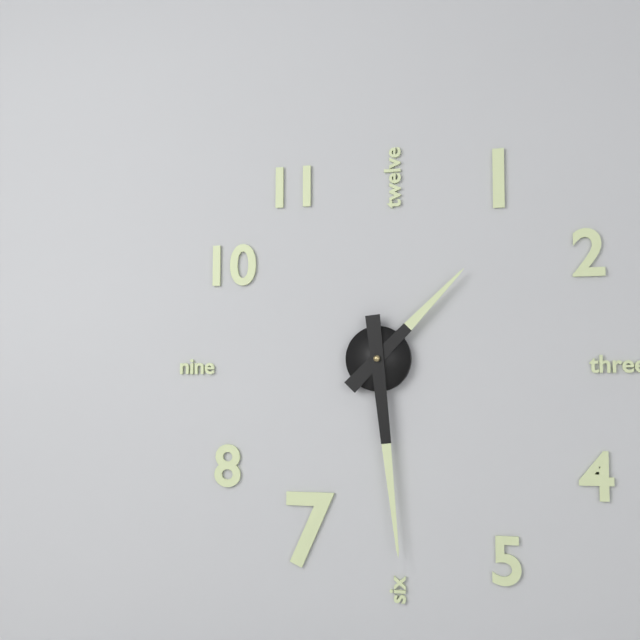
1:29
